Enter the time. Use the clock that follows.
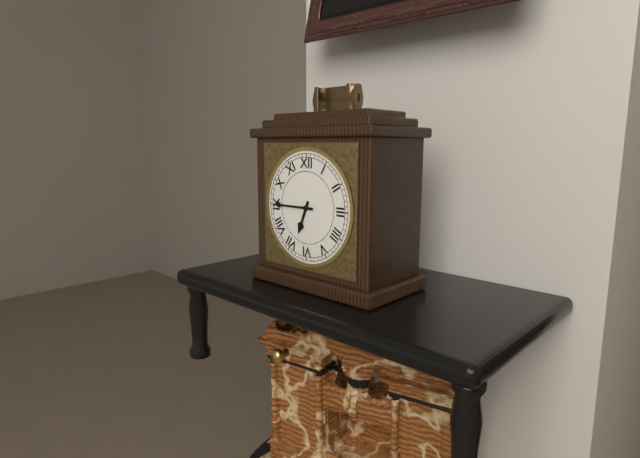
6:45
